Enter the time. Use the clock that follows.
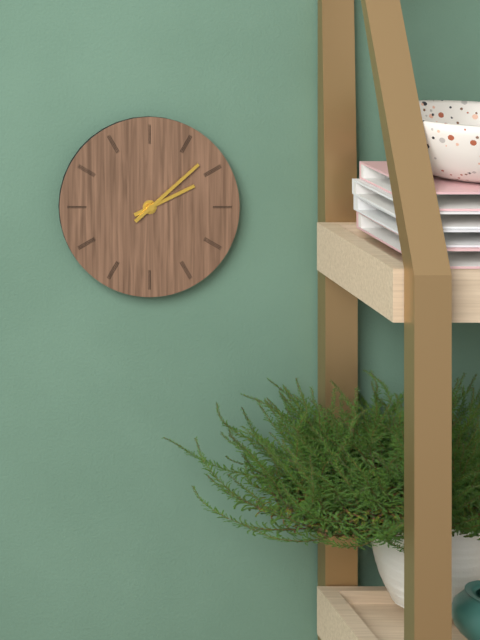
2:08
